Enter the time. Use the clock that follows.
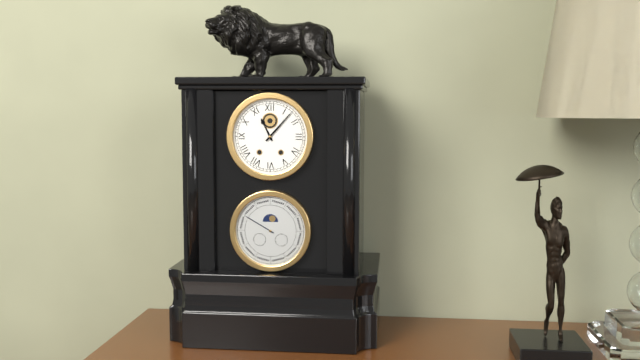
11:07
